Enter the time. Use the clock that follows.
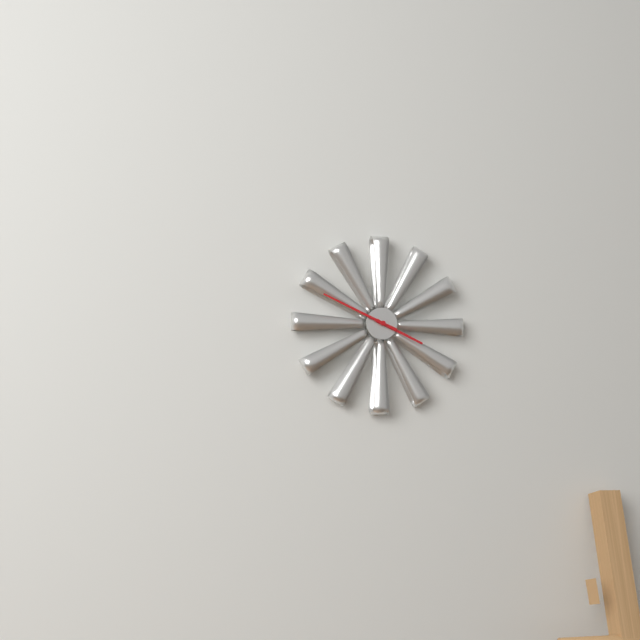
3:49
